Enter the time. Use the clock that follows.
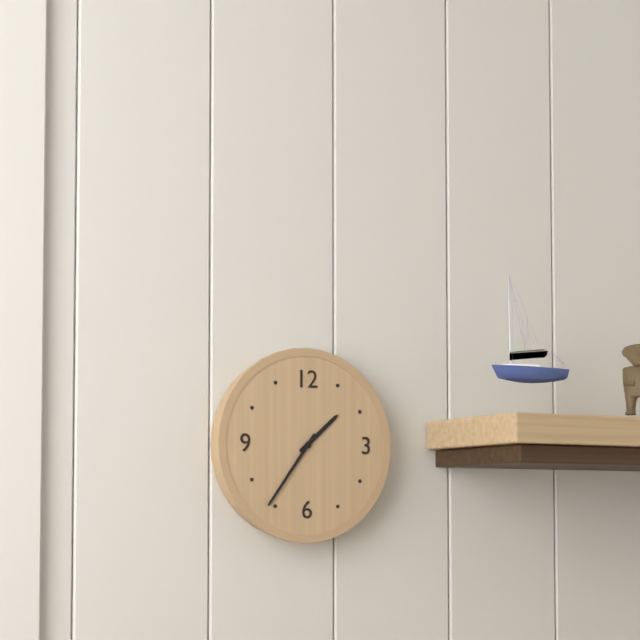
1:36
